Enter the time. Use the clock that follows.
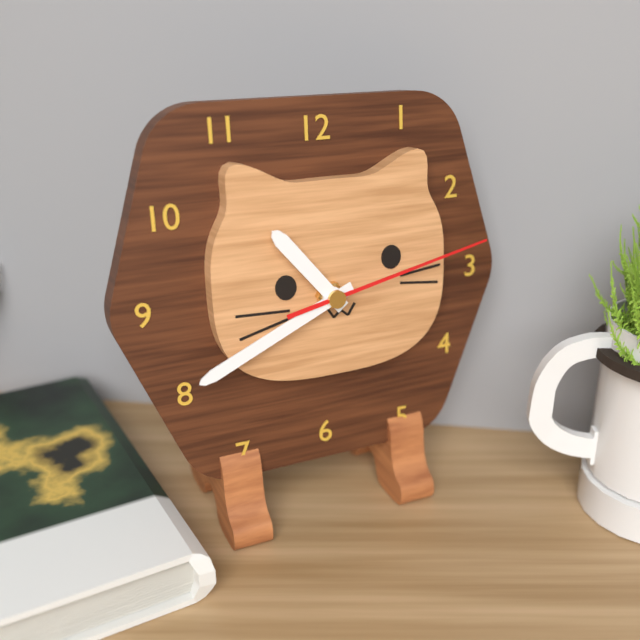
10:41:13
